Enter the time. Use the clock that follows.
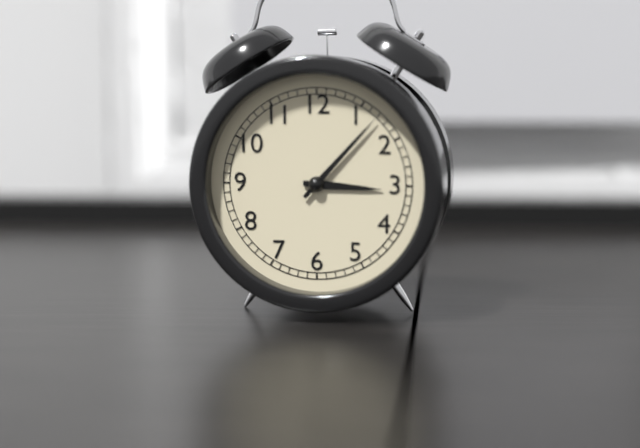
3:07
